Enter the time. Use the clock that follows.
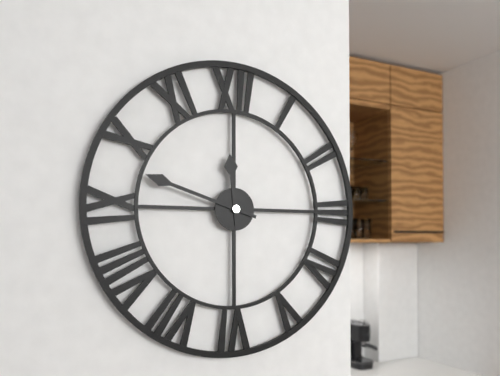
11:48
